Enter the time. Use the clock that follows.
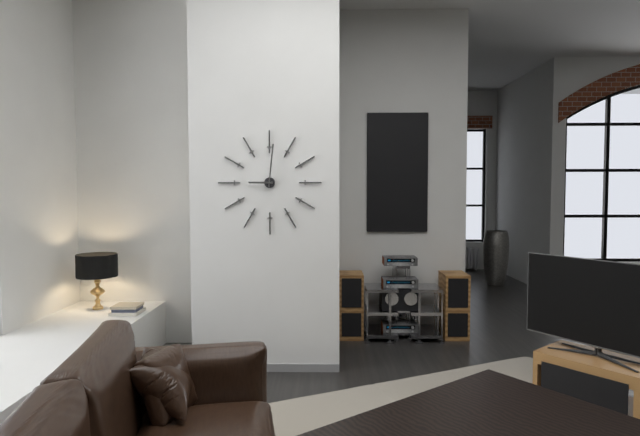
9:01
